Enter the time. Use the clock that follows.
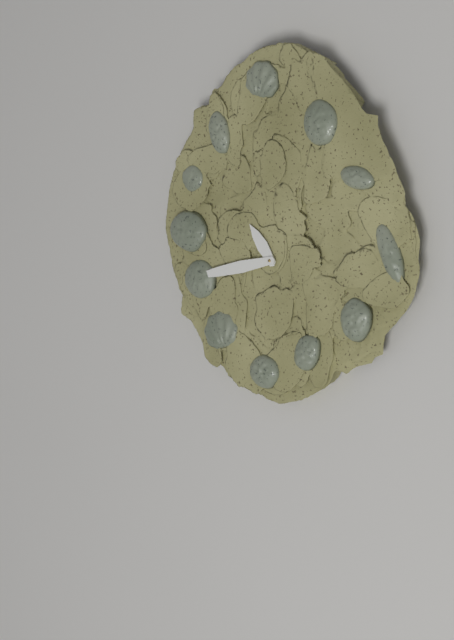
10:43
